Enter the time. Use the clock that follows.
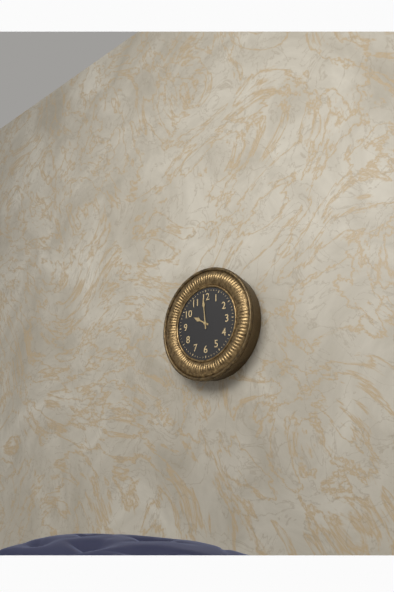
9:59
